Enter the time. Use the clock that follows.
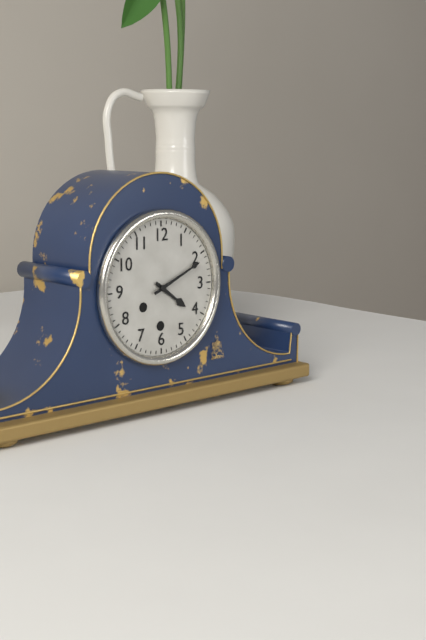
4:11
